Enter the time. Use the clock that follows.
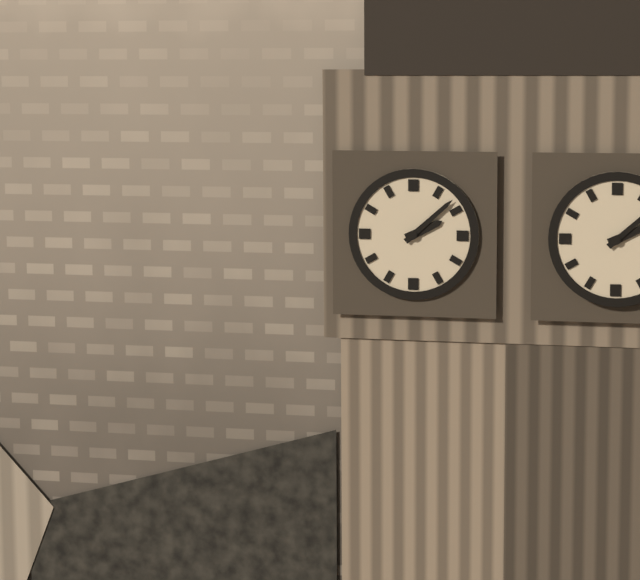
2:08
